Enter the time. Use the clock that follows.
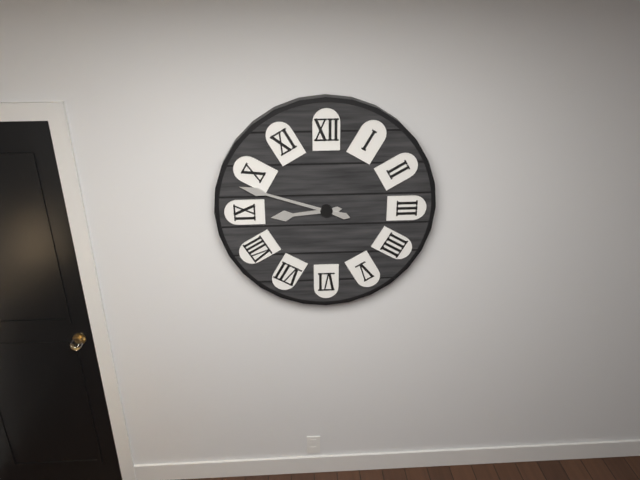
8:48
